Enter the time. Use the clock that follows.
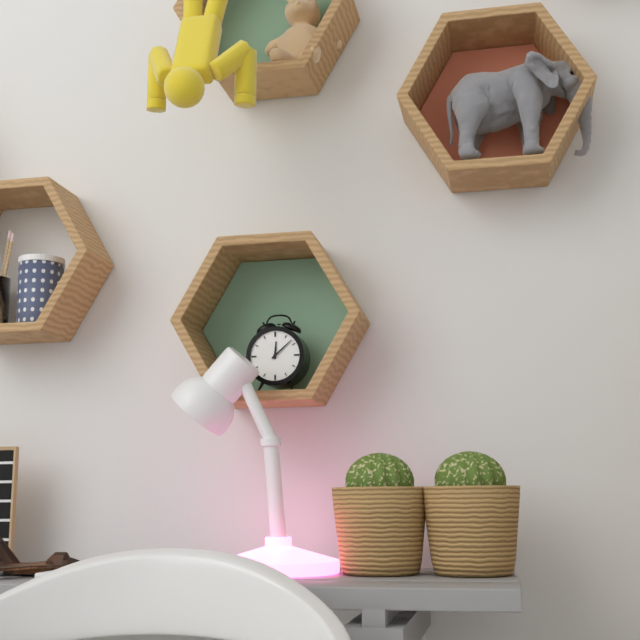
12:08
